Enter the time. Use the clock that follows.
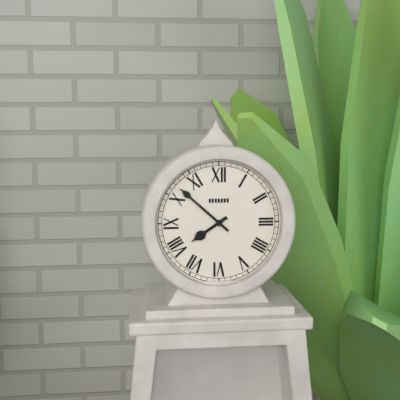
7:52
